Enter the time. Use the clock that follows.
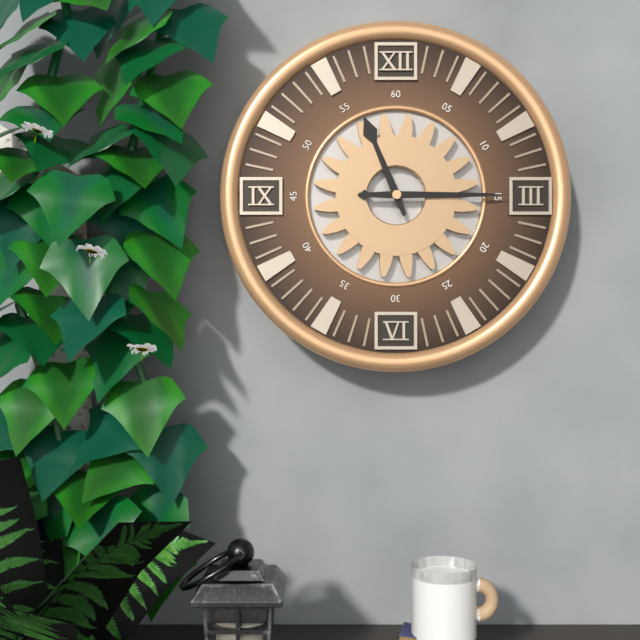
11:15
